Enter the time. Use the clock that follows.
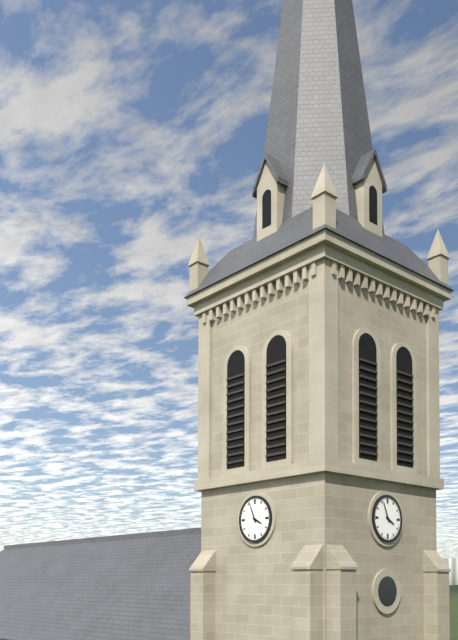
3:56
